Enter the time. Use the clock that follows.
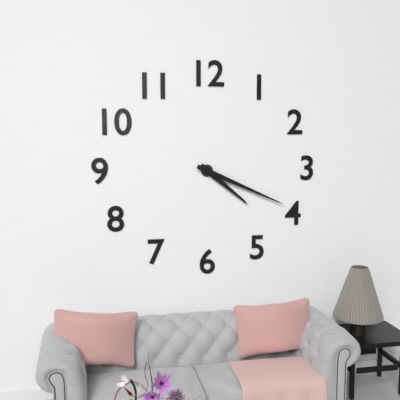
4:19
